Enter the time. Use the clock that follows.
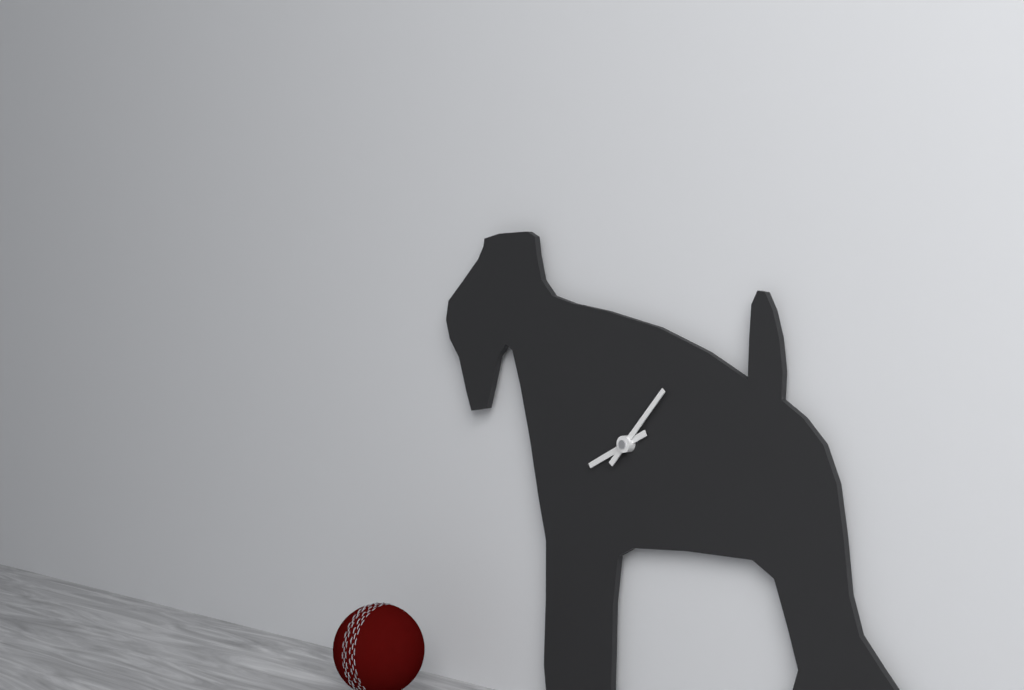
8:07
